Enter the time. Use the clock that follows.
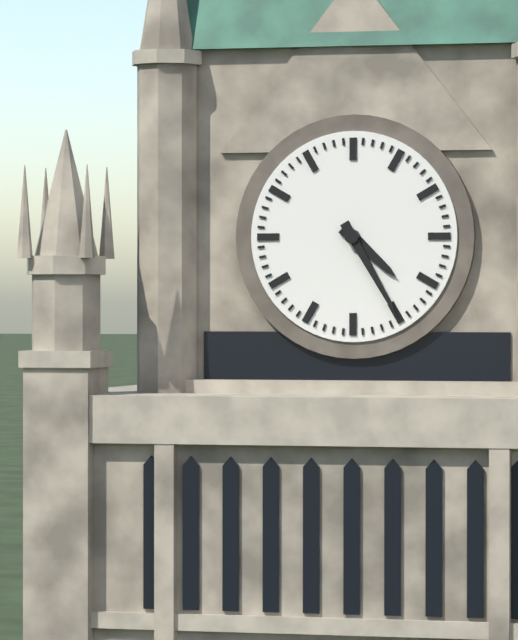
4:25
